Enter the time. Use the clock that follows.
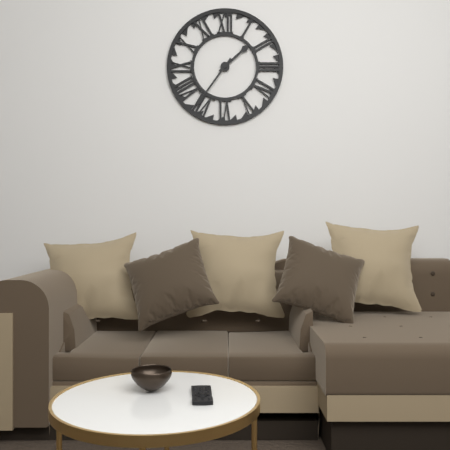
1:36
